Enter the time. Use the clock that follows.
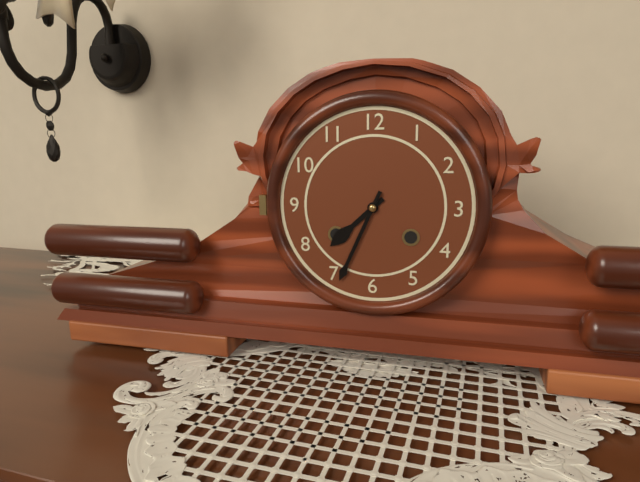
7:34
